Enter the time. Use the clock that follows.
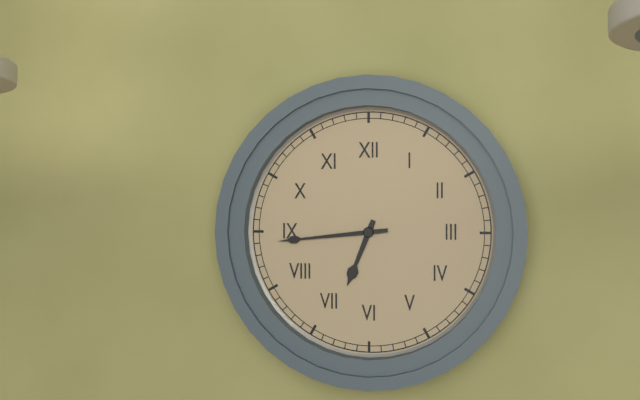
6:44
